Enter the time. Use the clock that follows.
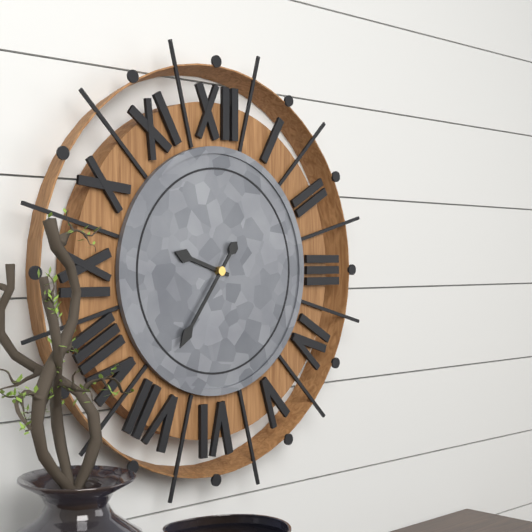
9:36
